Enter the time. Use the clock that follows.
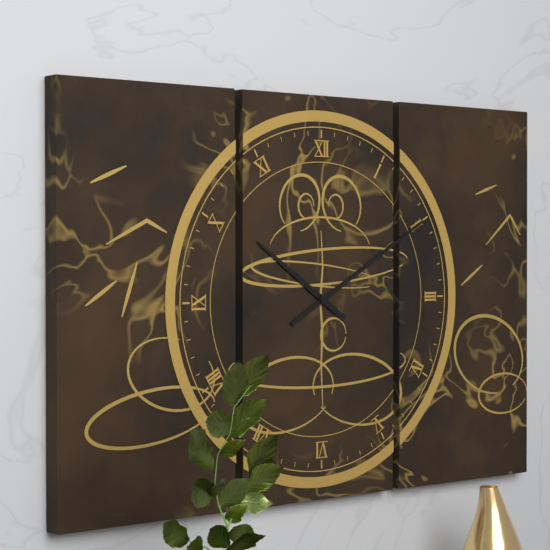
10:10
